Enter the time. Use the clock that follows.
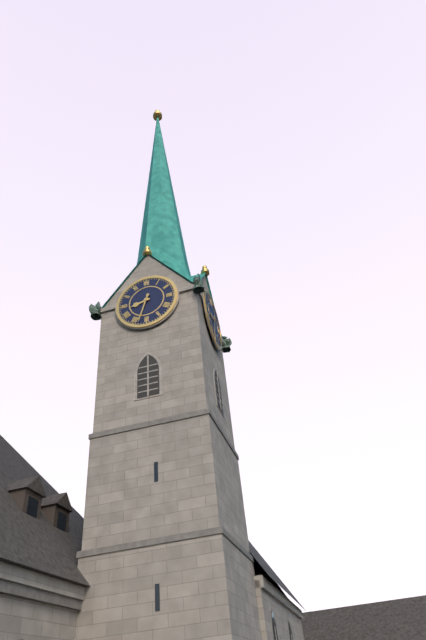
8:33
